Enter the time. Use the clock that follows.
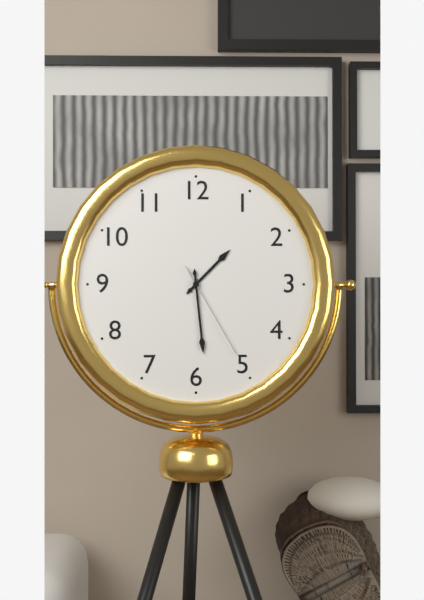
1:29:25
